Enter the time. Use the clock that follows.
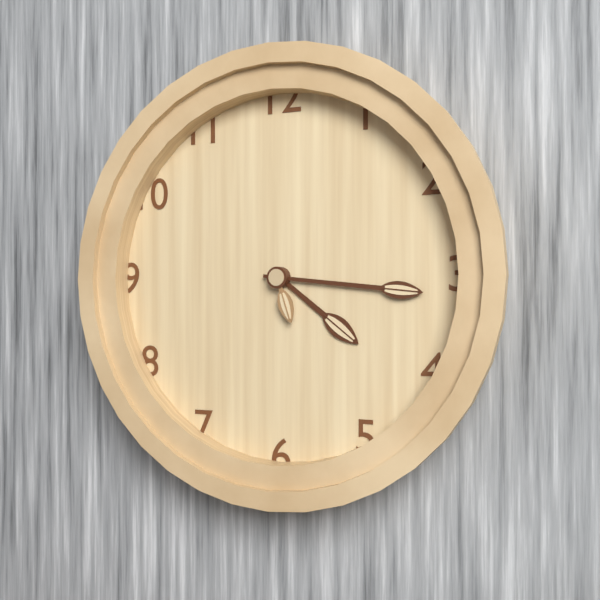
4:16:27
